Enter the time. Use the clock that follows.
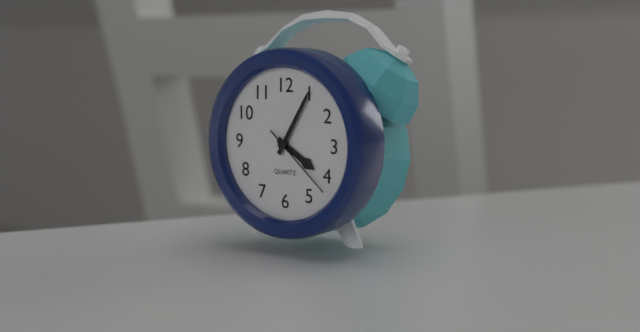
4:05:22
